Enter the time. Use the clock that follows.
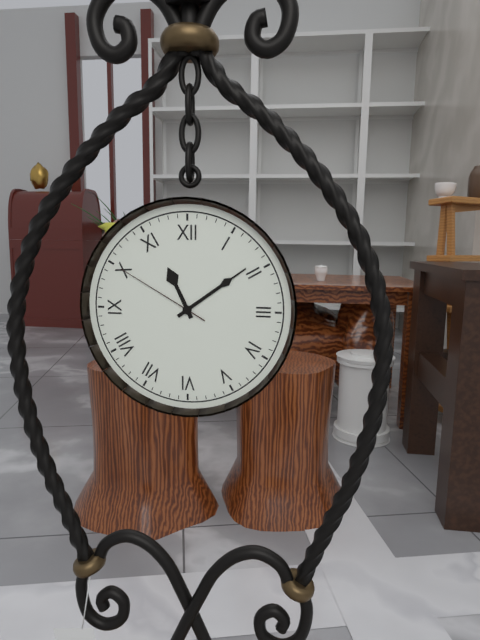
11:09:50
